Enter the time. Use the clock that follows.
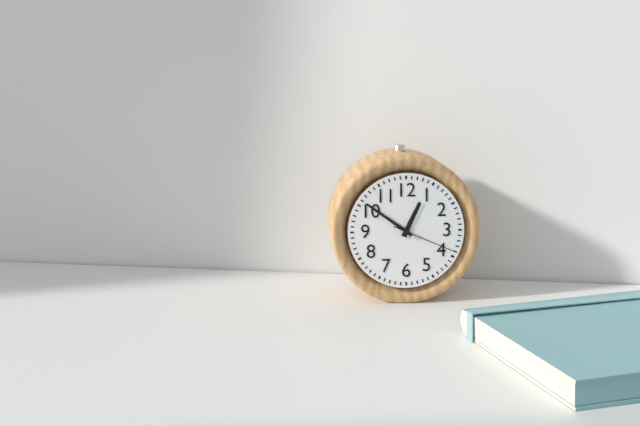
12:51:19
